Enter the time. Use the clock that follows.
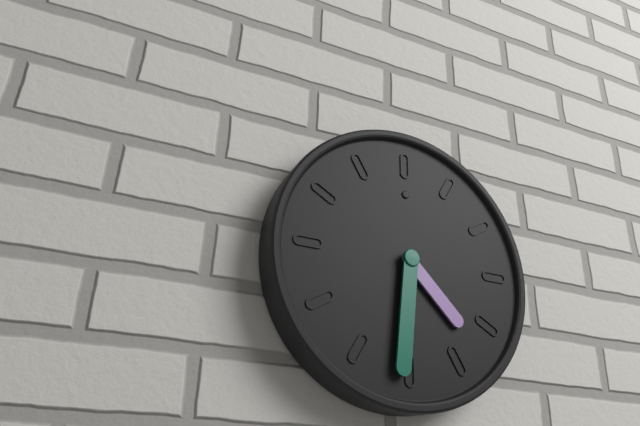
4:31
